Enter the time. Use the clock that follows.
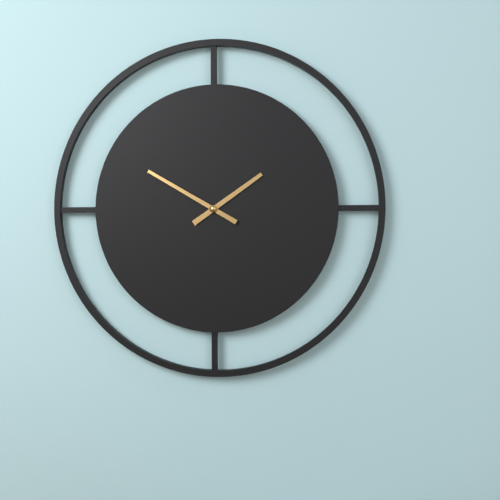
1:50
